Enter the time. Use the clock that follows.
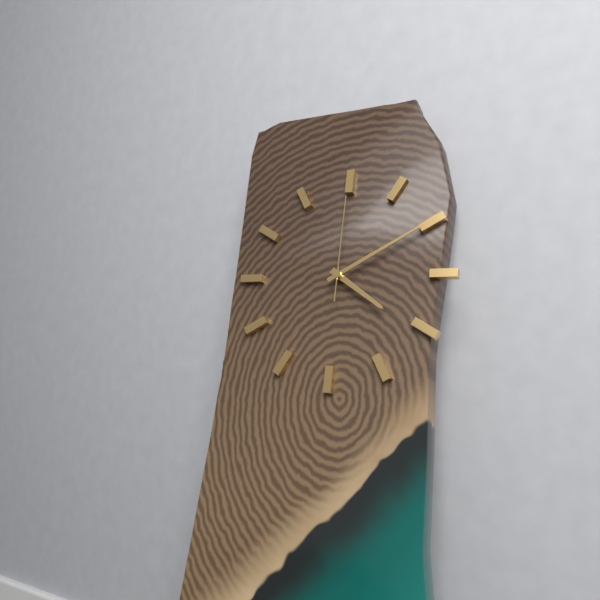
4:10:00
